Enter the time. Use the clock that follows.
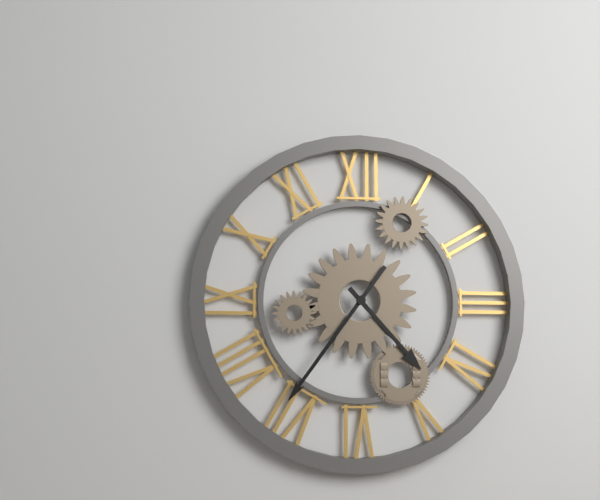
4:36
